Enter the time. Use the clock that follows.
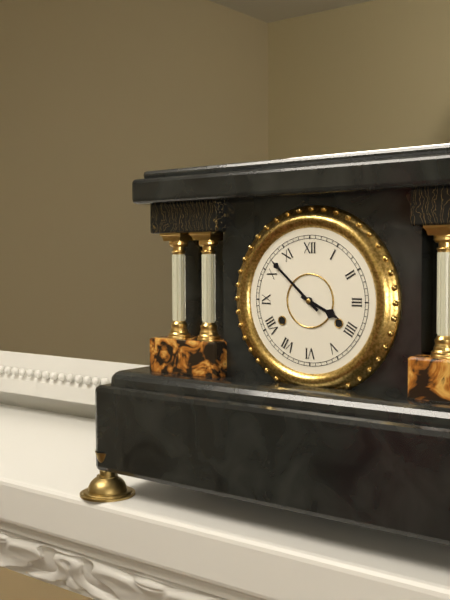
3:52
